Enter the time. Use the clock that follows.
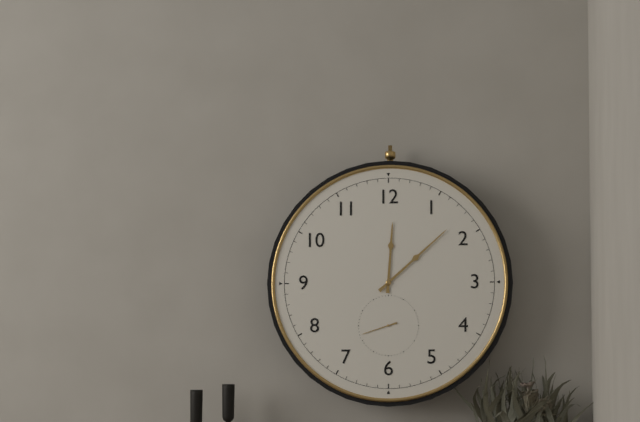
12:08
